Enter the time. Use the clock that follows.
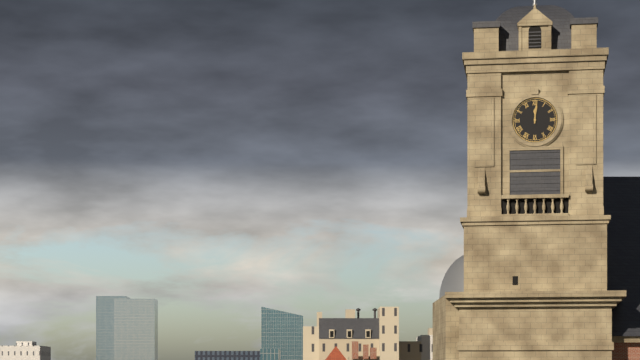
12:01
